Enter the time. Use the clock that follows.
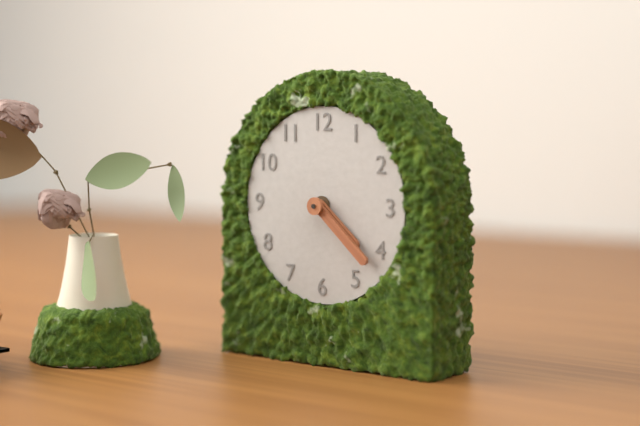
4:22
